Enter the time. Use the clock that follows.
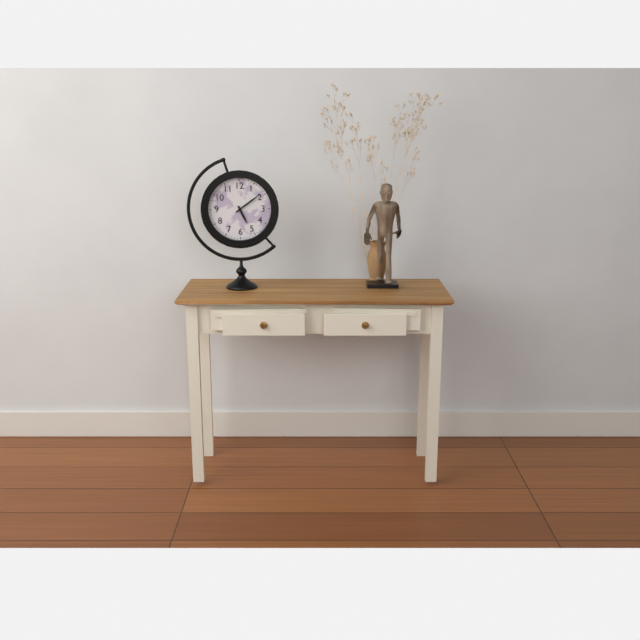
5:09
